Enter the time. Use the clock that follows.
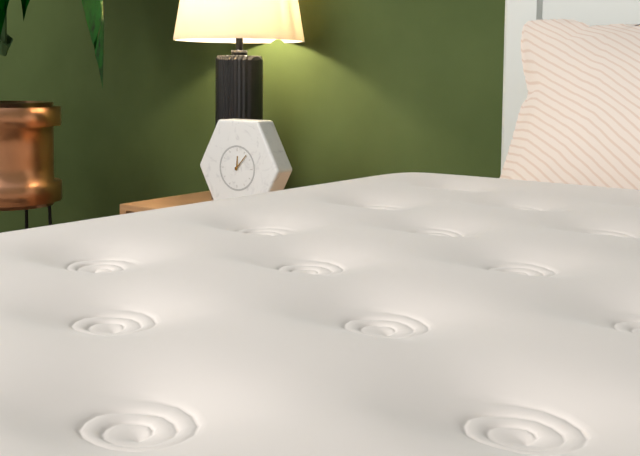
12:07
